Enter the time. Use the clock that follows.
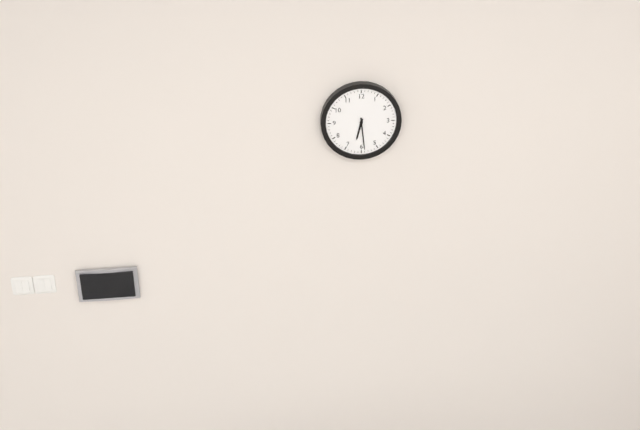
6:29
